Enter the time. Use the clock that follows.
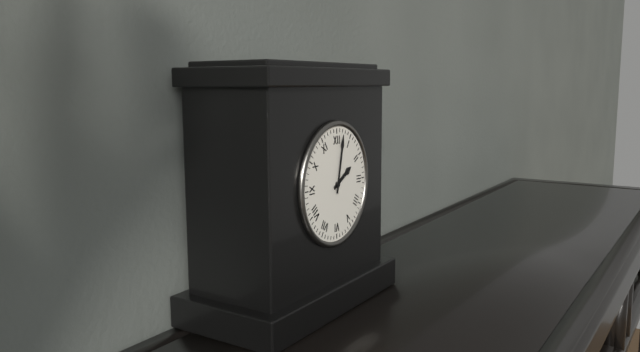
2:02
